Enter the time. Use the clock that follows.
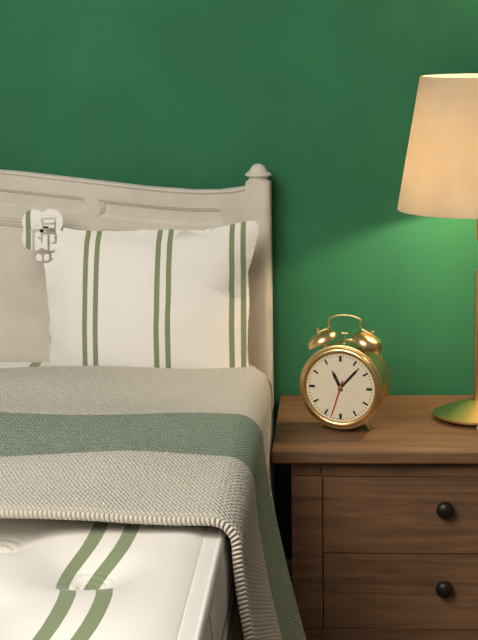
11:07
